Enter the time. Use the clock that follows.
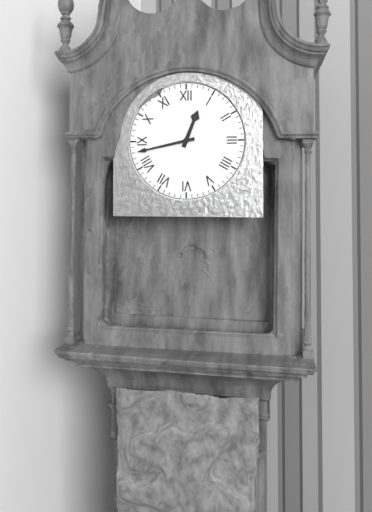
12:43
